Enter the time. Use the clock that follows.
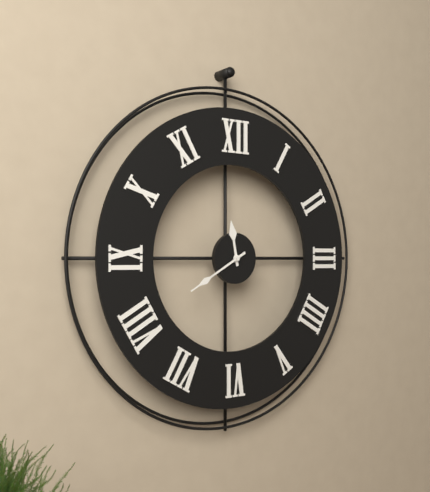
11:40
